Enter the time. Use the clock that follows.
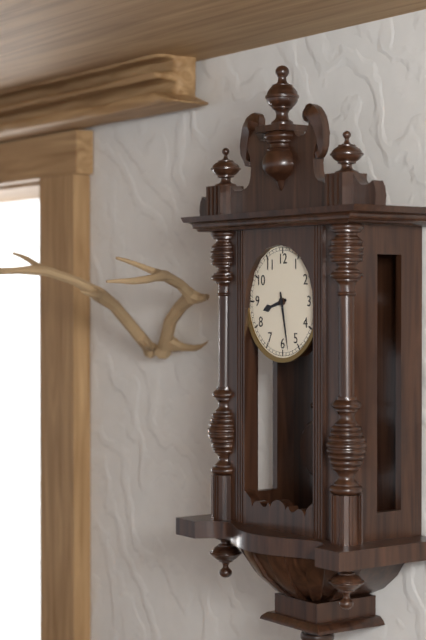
8:28
